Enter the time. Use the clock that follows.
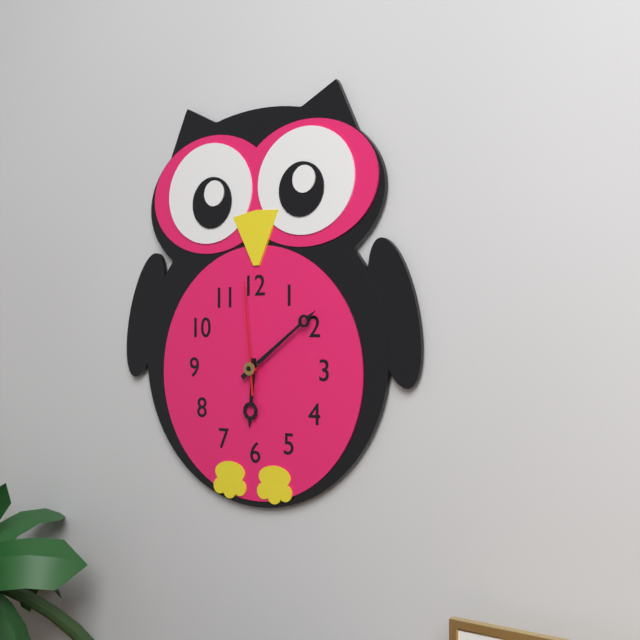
6:09:59
